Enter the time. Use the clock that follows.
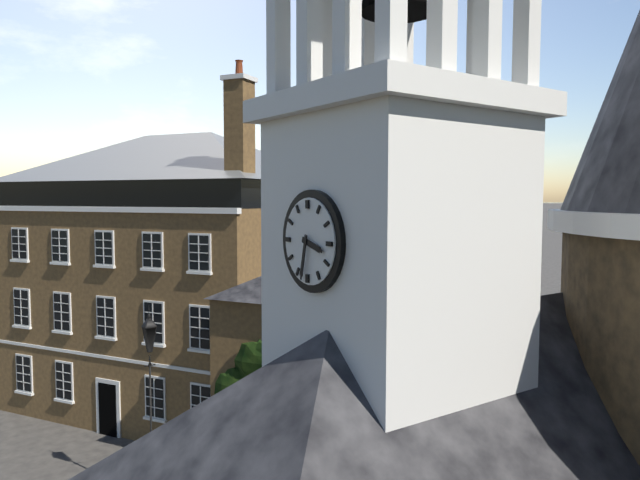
3:32
